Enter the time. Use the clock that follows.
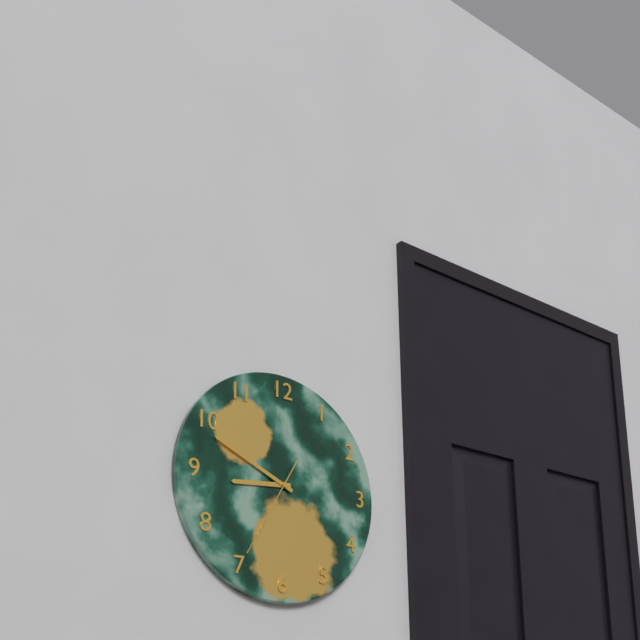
8:49:35
